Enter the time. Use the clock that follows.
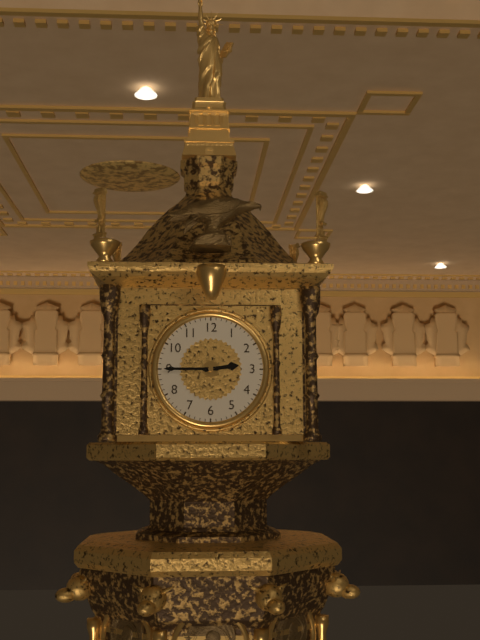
2:45
